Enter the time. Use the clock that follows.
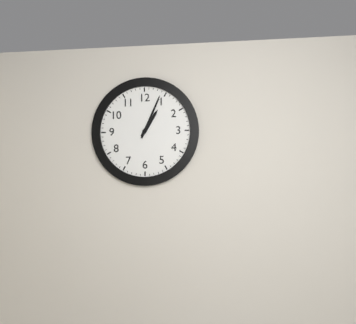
1:04
